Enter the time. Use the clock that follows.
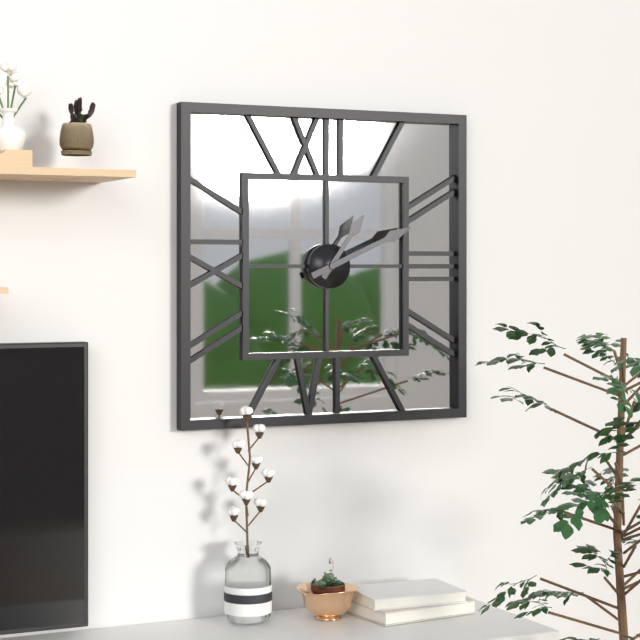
1:11
